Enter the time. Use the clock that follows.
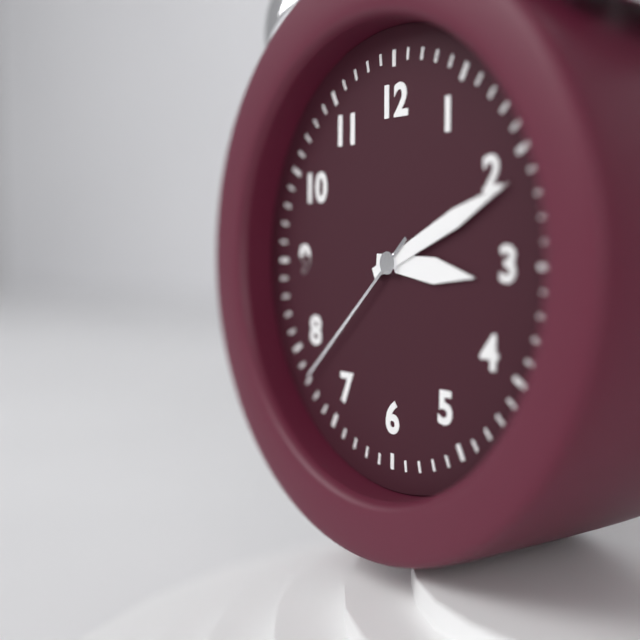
3:11:38
